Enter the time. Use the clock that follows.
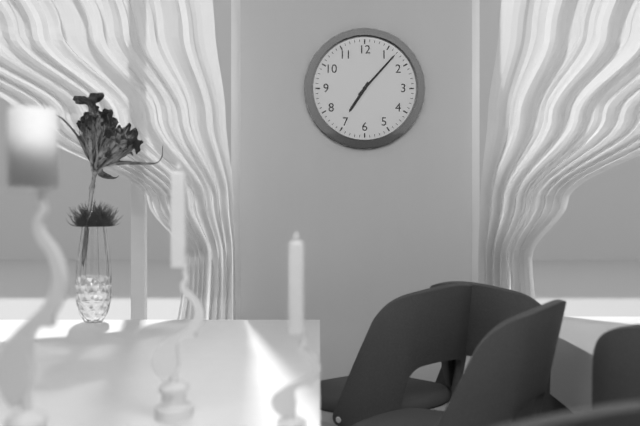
7:07
